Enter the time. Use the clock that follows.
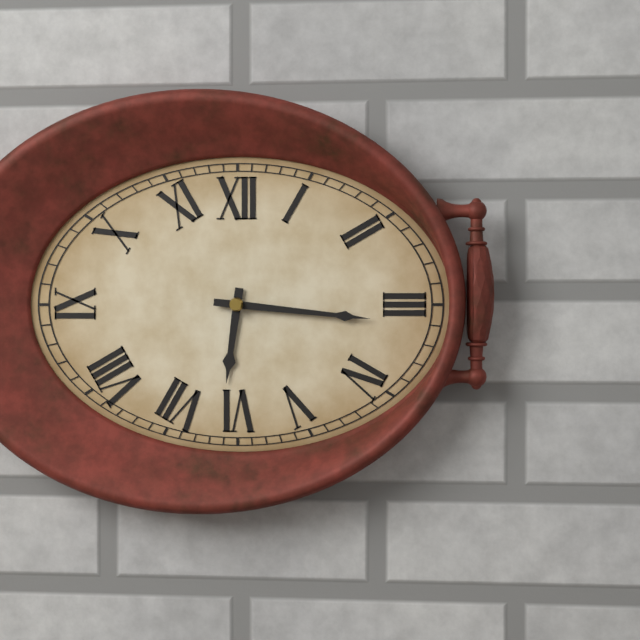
6:16
